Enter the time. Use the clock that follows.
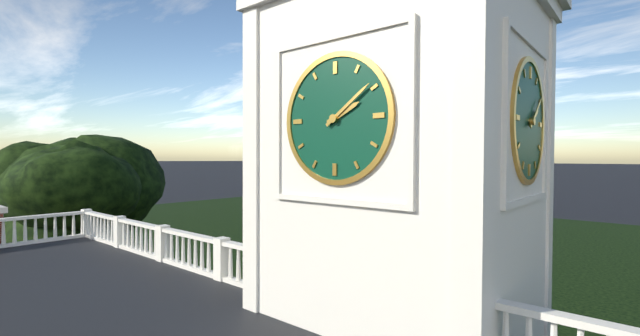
2:09
